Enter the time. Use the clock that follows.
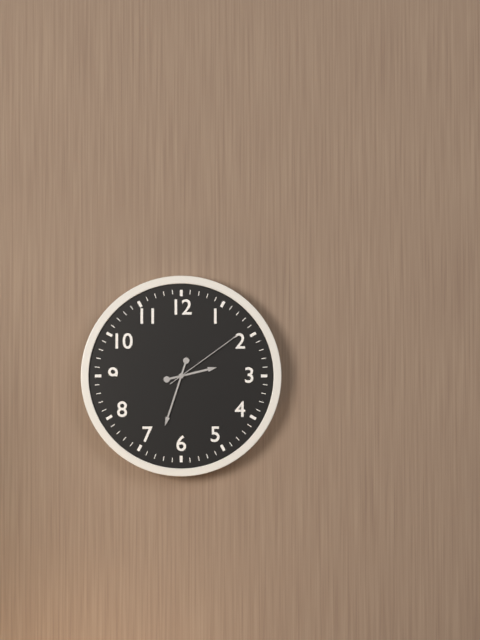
2:33:09
